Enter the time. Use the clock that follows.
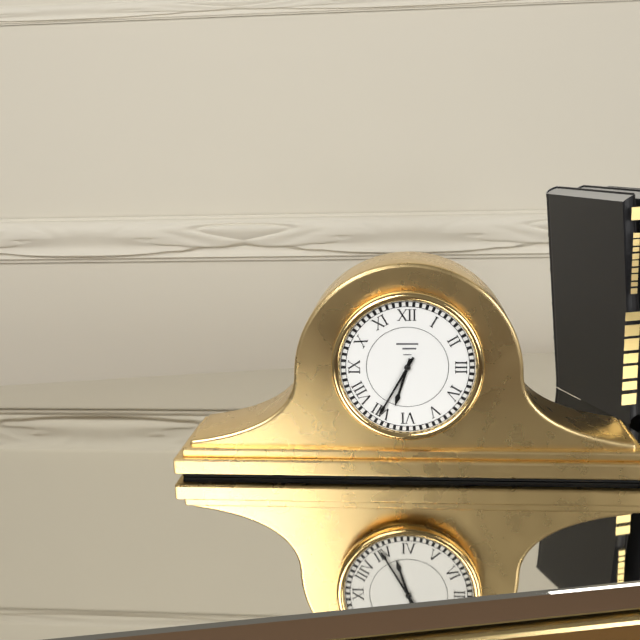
6:35
